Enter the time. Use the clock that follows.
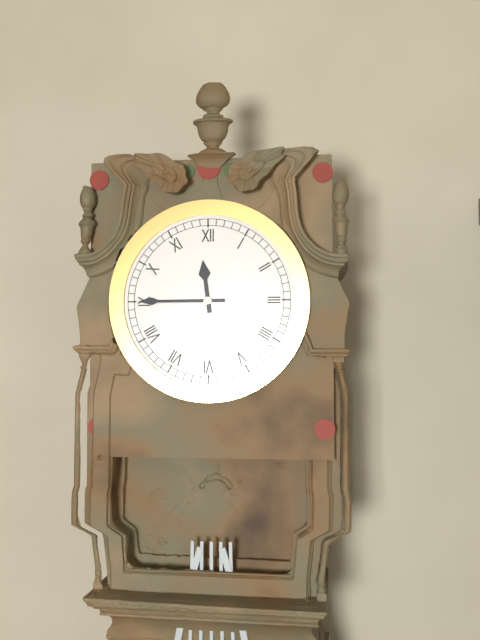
11:45
